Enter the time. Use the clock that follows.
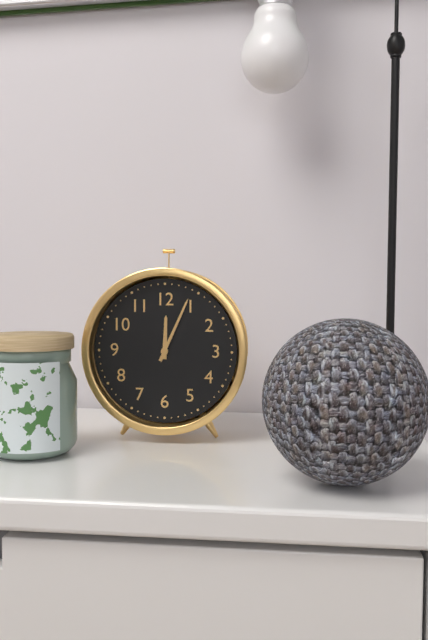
12:04
